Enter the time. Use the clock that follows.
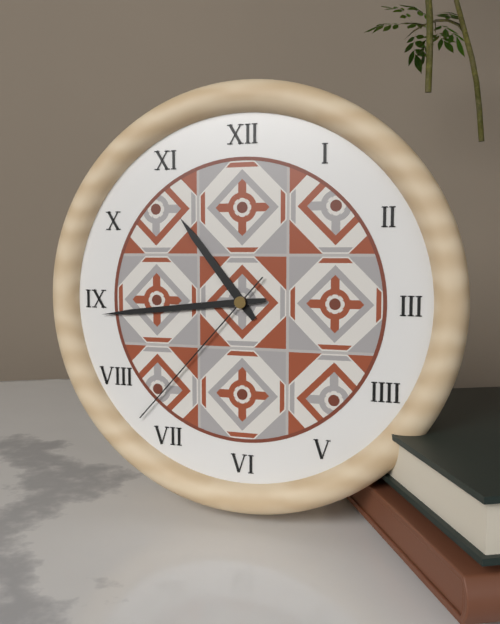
10:44:37
